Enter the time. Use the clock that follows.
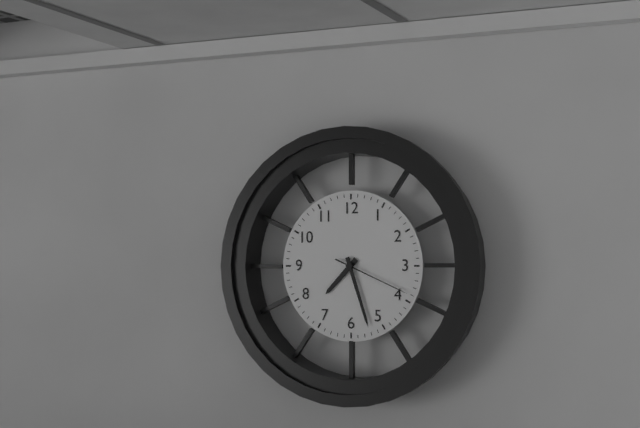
7:27:19
